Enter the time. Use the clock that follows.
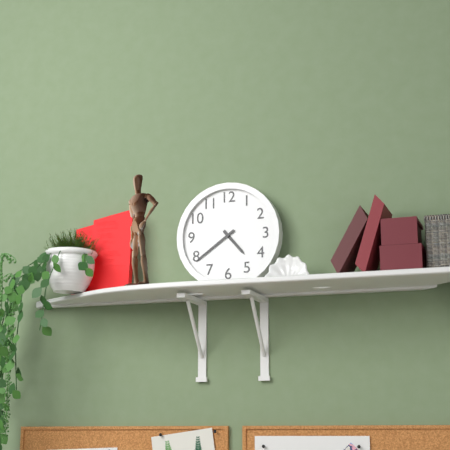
4:39
